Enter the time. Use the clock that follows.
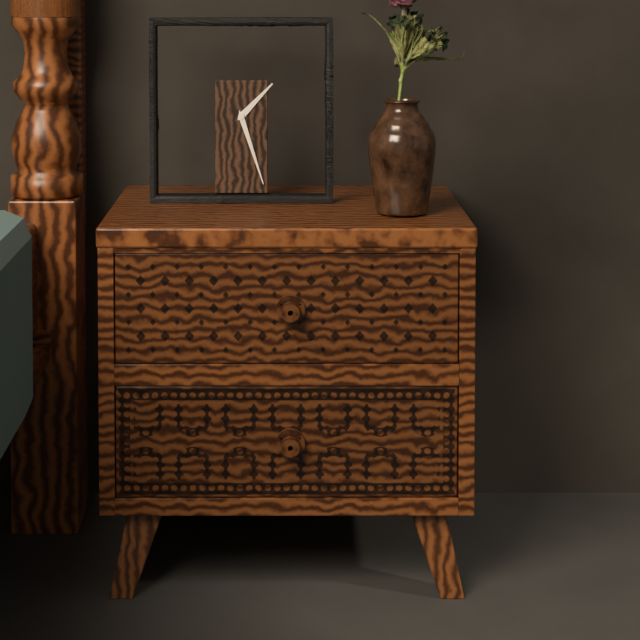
1:27
